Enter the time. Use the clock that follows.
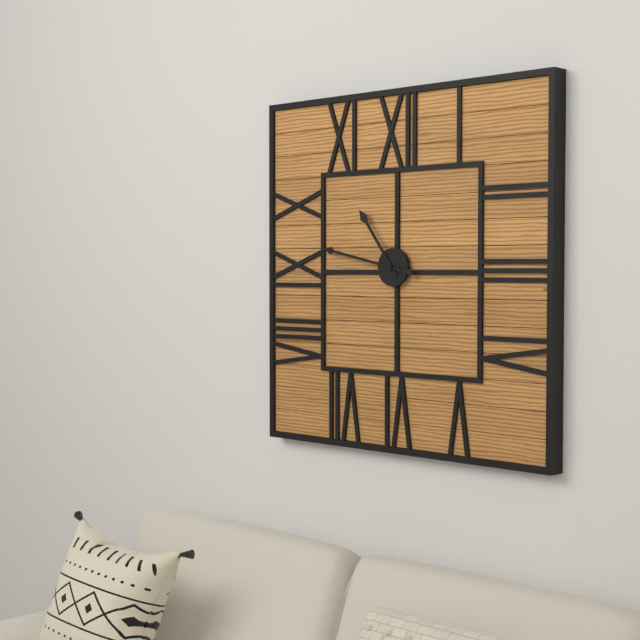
10:47
